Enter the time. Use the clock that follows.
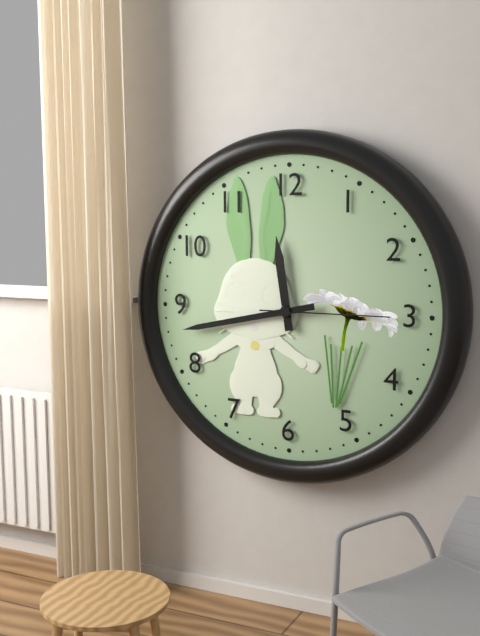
11:43:15
